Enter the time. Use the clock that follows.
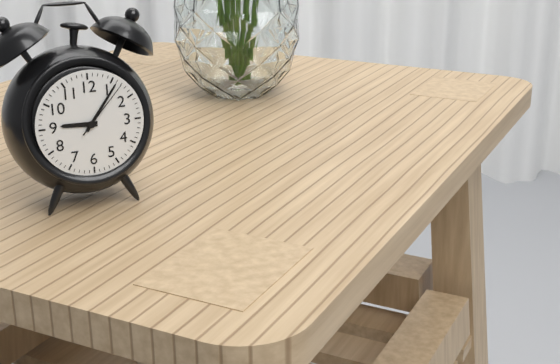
9:06:07
